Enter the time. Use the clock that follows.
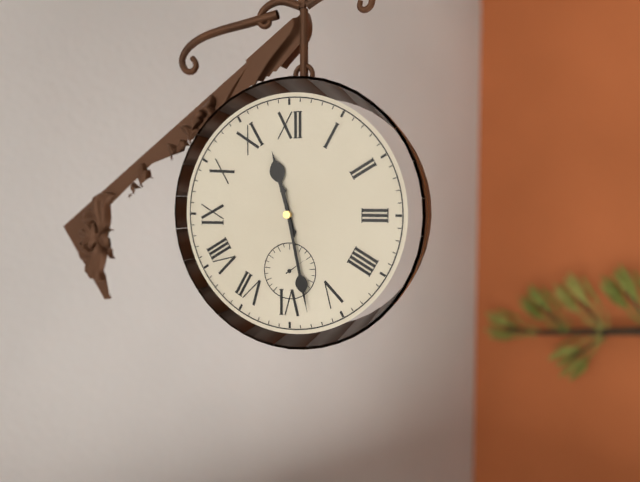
11:28
